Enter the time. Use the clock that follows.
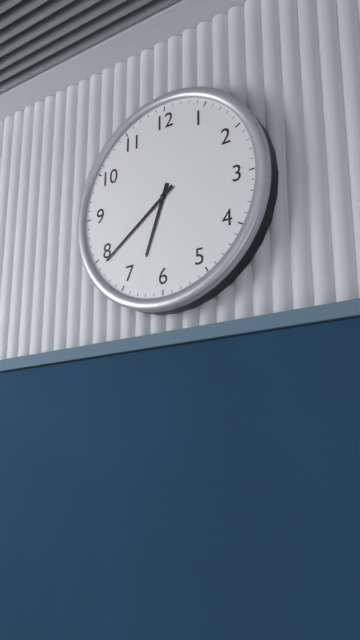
6:39
